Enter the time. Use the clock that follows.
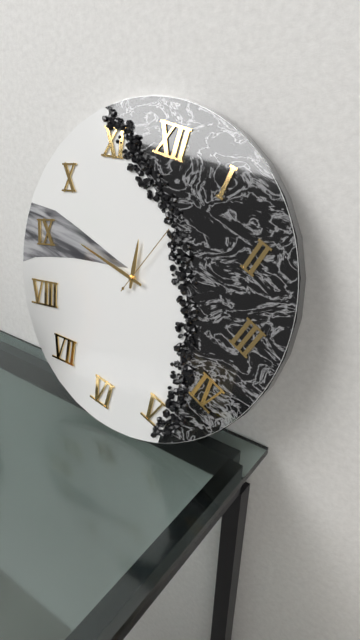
11:46:04
